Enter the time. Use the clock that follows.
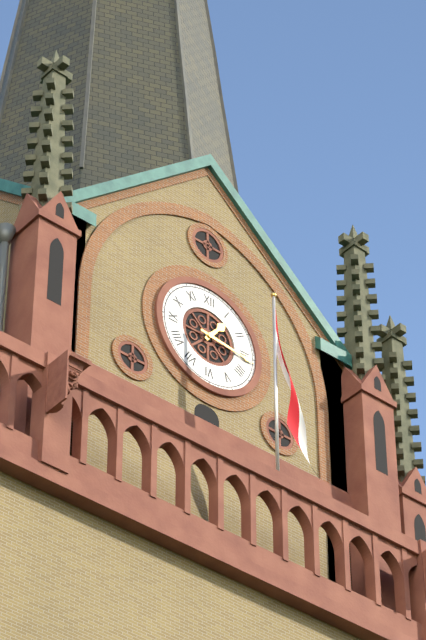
1:16
